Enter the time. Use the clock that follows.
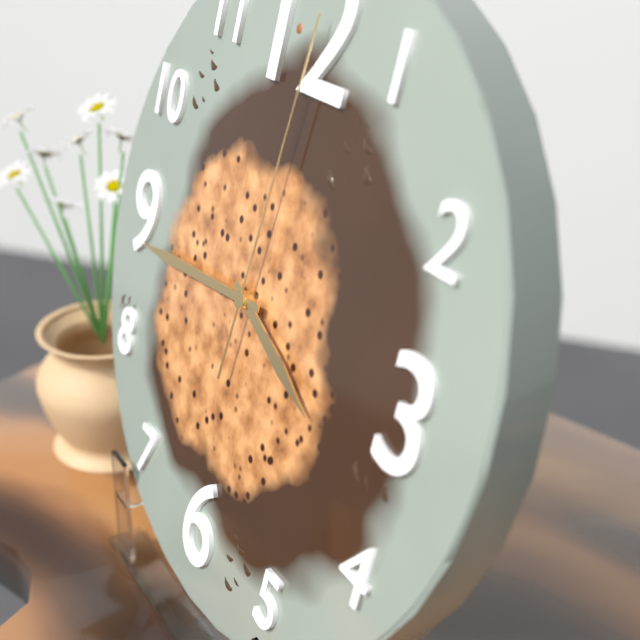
3:44:01
